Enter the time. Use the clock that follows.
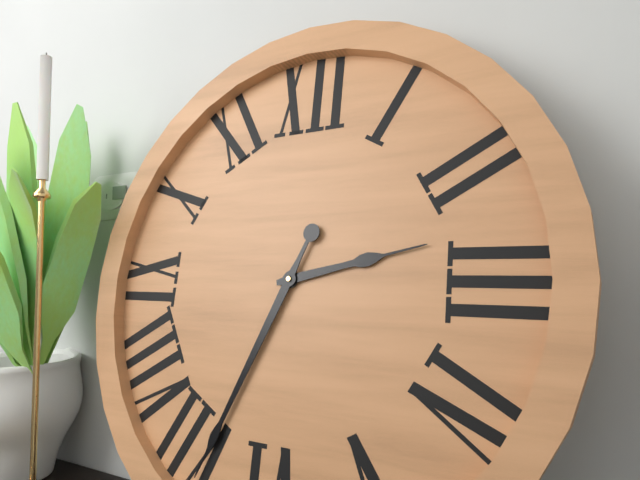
2:34
